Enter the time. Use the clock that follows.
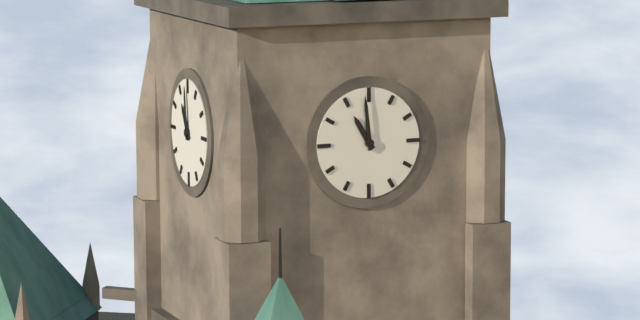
10:59
